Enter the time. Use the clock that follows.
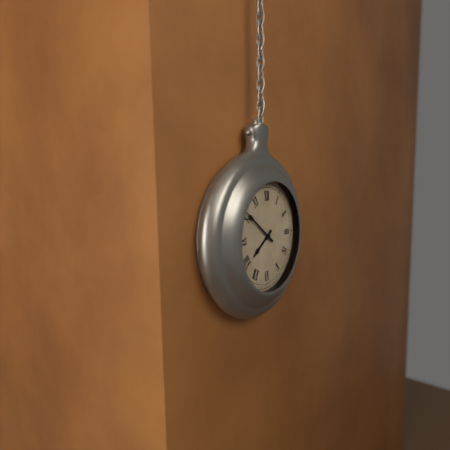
7:51
